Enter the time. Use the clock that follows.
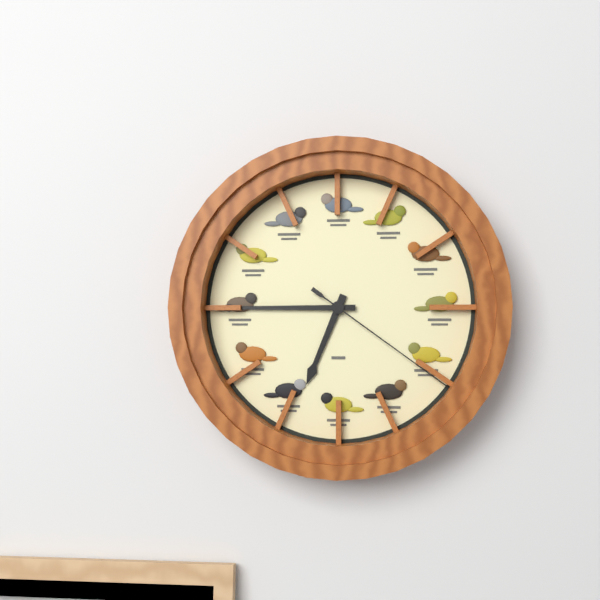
6:45:21
